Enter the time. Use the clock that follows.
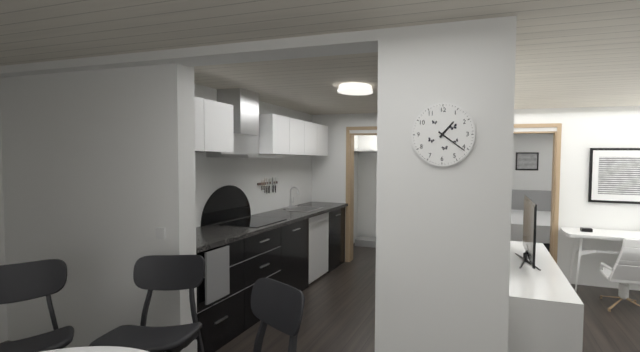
1:21
